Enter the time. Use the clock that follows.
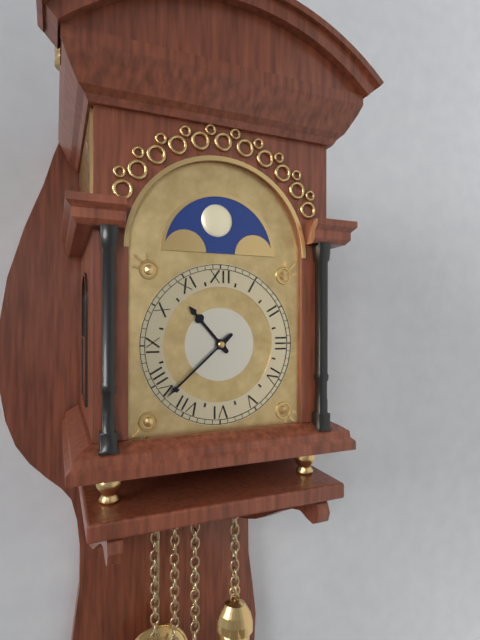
10:38
